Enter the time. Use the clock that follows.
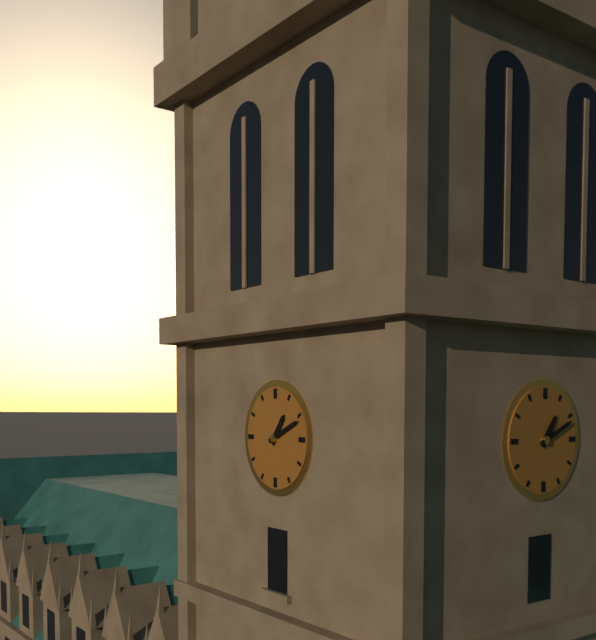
1:11
